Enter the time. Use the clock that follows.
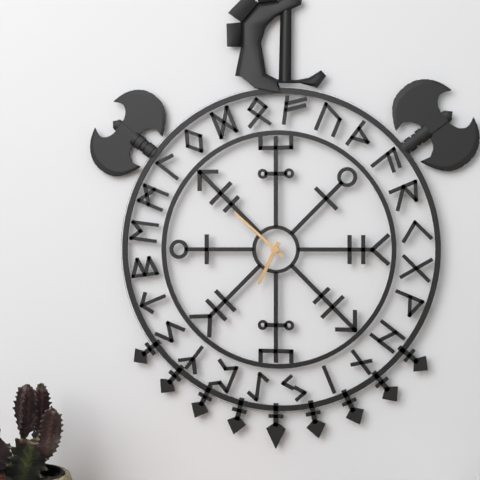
6:52
